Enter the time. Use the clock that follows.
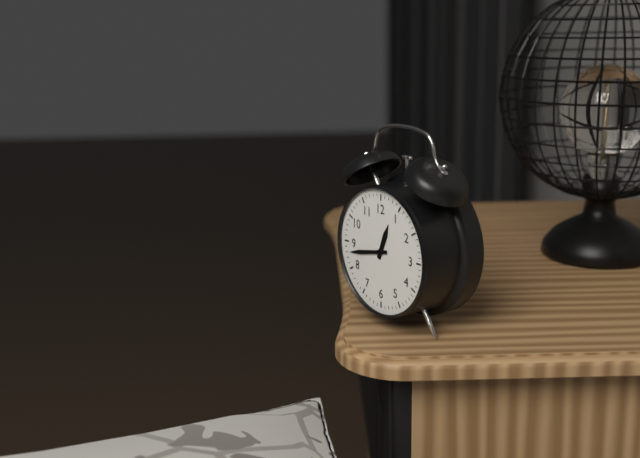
12:43
